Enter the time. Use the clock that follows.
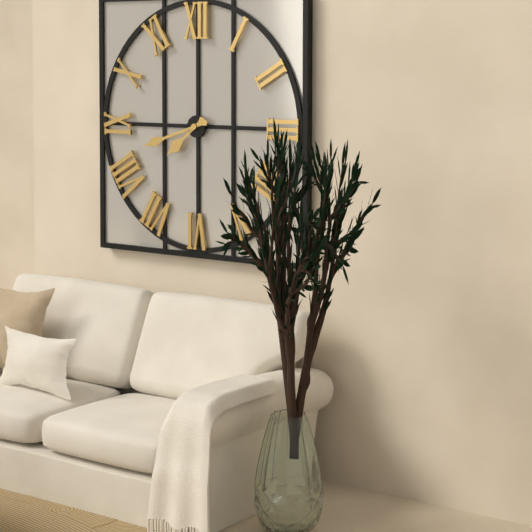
7:42
